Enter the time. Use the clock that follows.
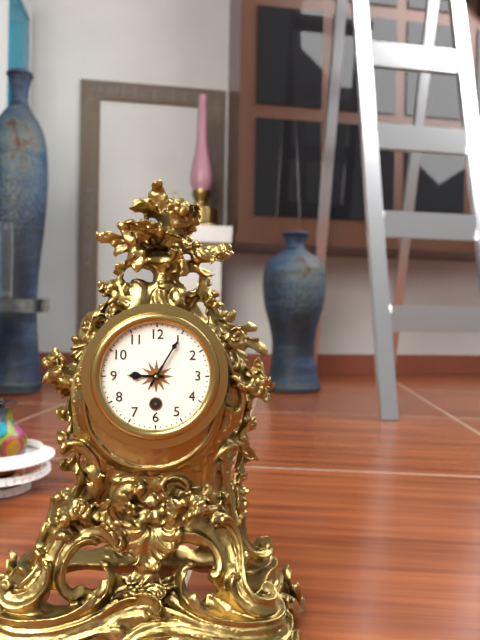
9:05
